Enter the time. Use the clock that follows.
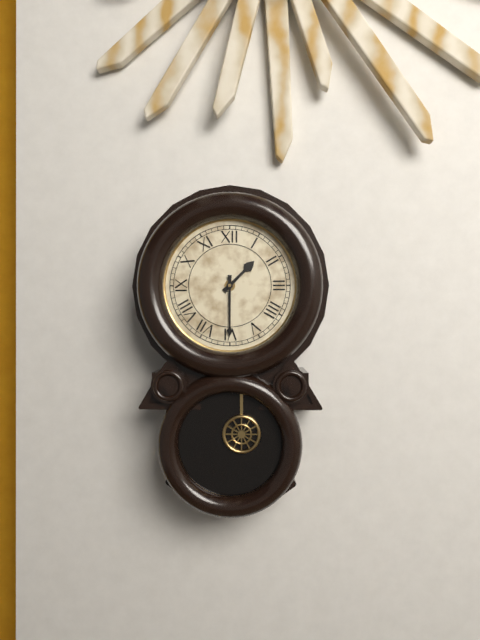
1:30
